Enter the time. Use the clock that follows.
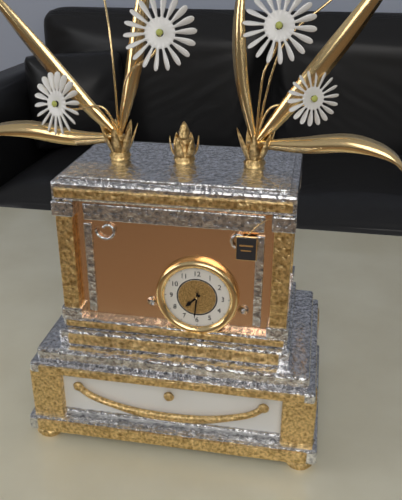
7:31
